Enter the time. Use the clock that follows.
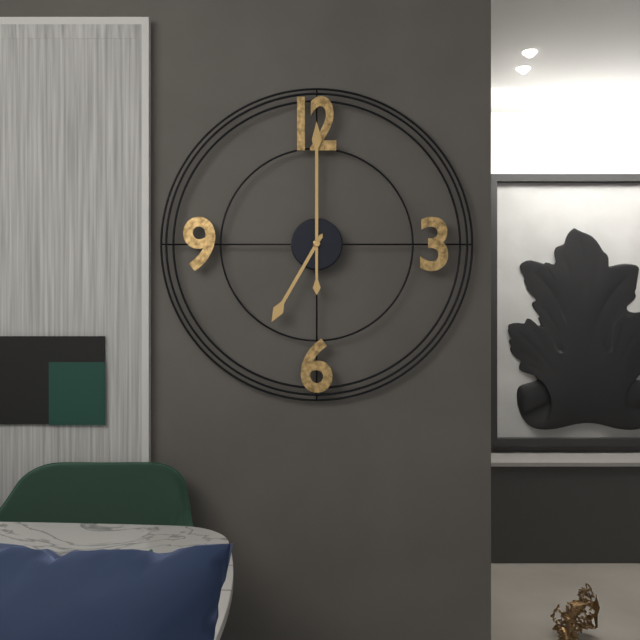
7:00
